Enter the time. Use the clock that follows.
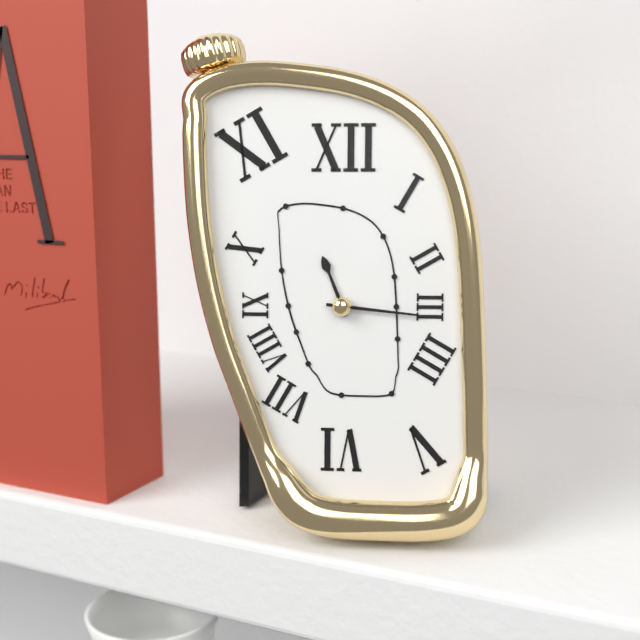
11:16
